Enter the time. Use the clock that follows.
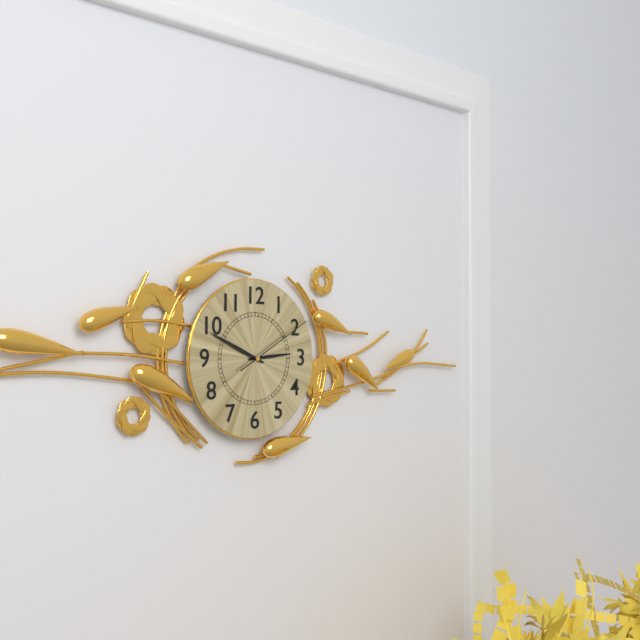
2:49:10
